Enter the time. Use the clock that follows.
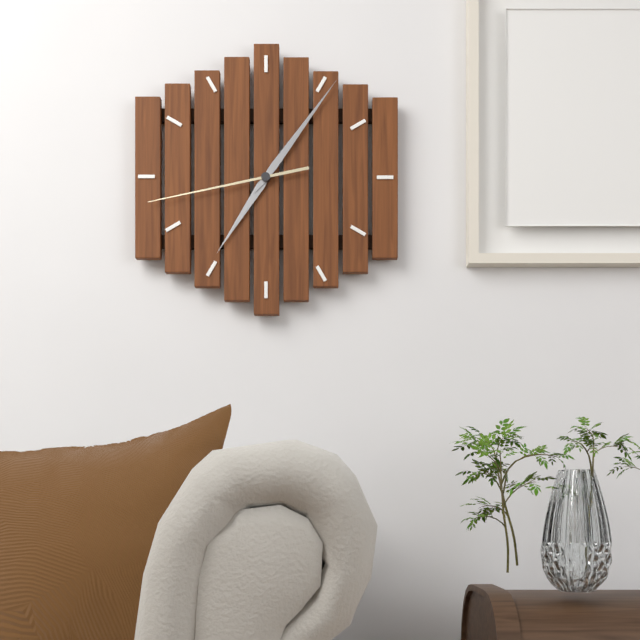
7:06:43
